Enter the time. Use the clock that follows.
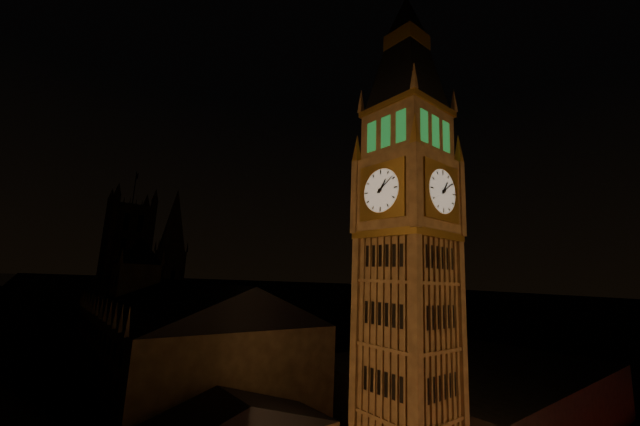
1:09
